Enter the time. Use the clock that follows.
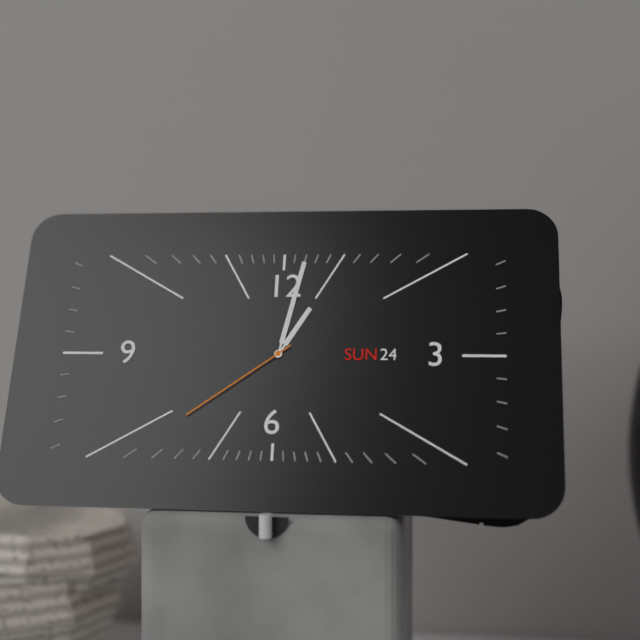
1:02:39
